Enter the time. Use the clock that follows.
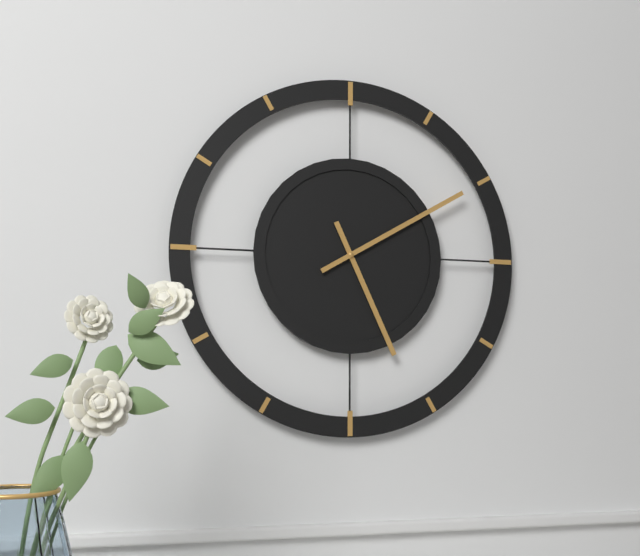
5:10
